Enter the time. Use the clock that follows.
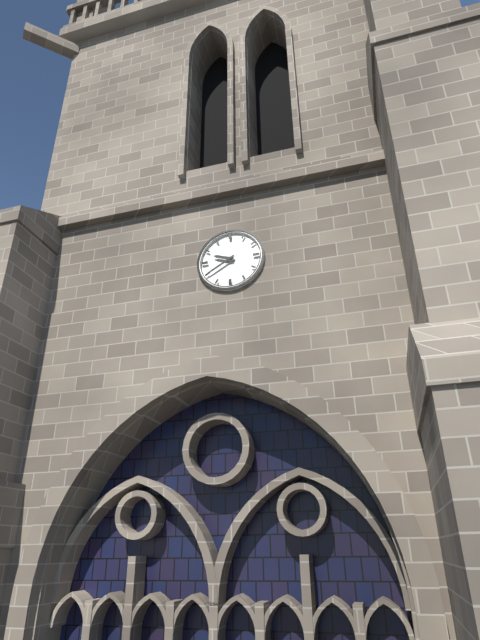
9:40
